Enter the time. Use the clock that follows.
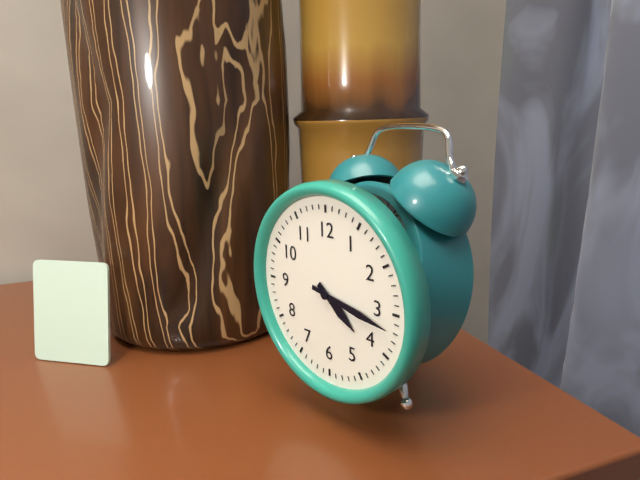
4:17
